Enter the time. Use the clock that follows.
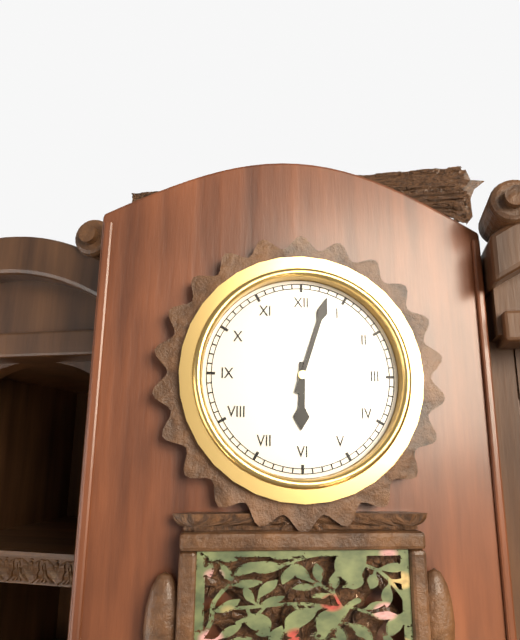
6:03
